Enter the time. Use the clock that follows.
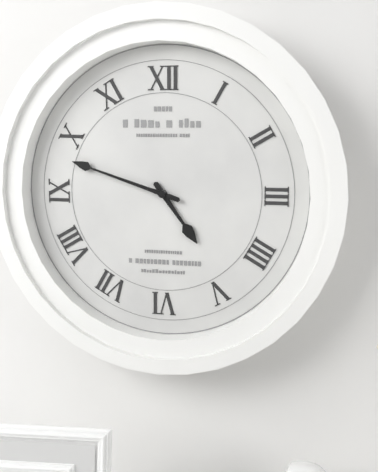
4:48
